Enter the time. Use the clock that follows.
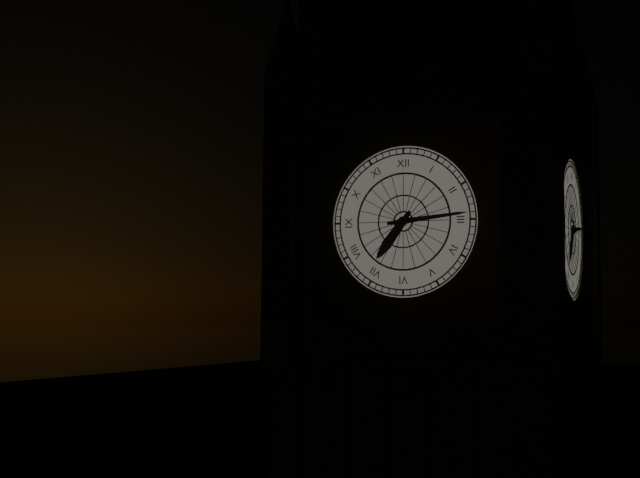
7:14
